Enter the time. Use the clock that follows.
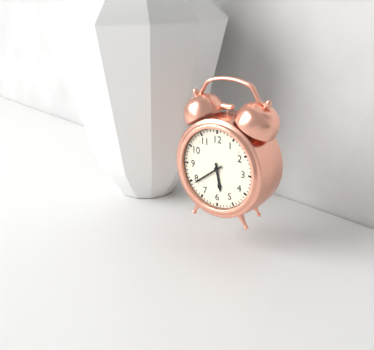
5:39
